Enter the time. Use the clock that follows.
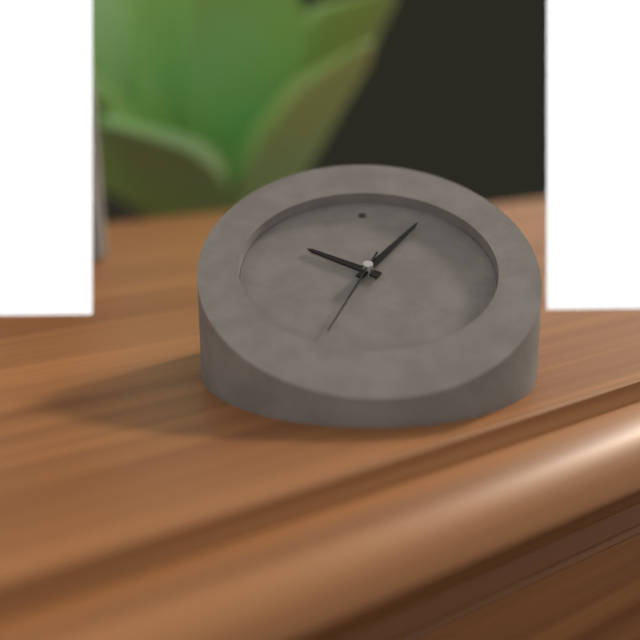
10:06:34
